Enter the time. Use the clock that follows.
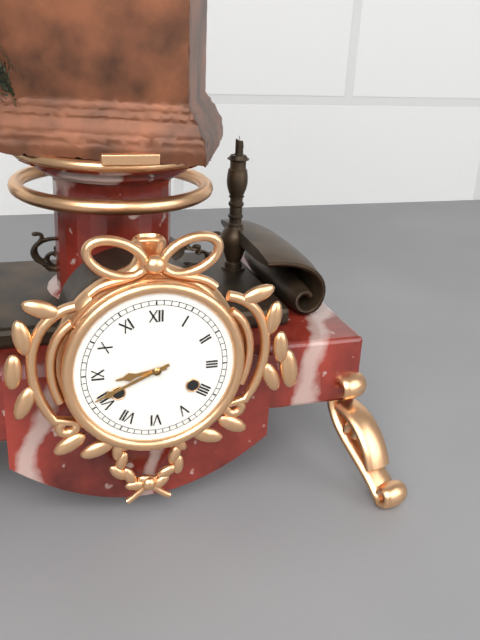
8:41
